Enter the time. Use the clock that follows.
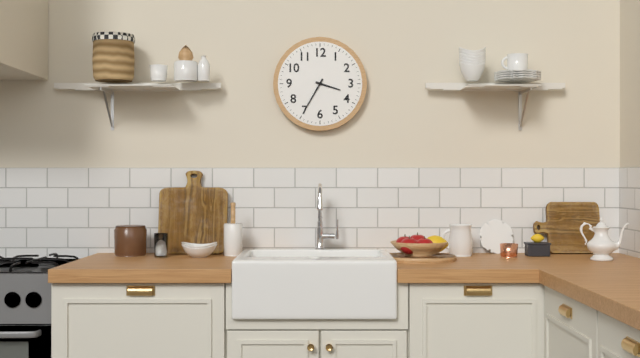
3:35
